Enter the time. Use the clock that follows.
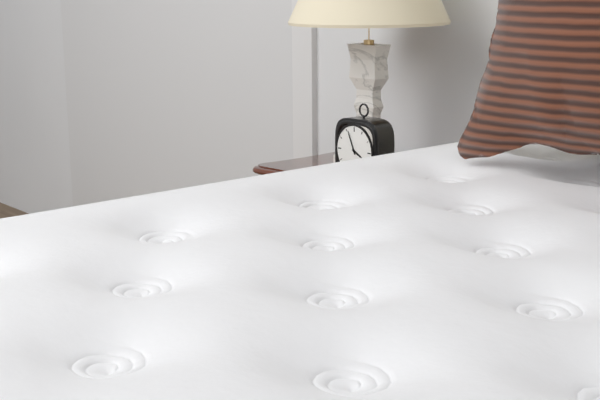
3:56
